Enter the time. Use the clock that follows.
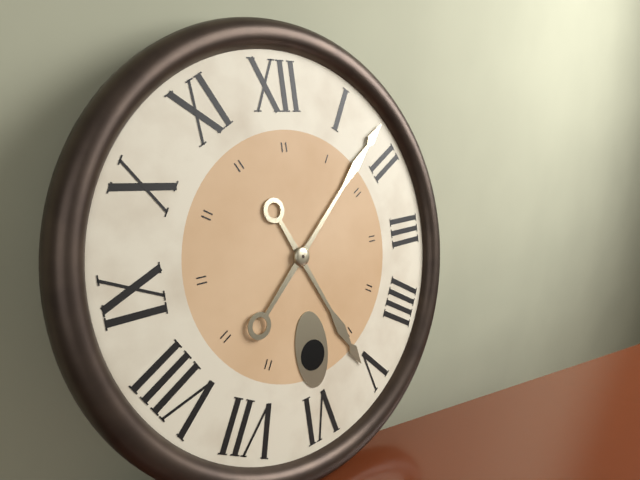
5:08
